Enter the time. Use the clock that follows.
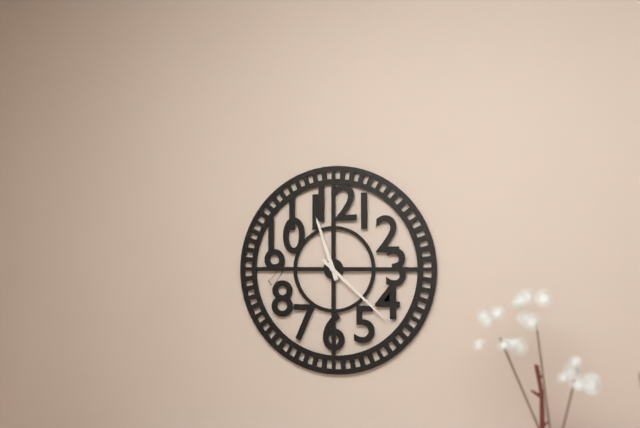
11:22
